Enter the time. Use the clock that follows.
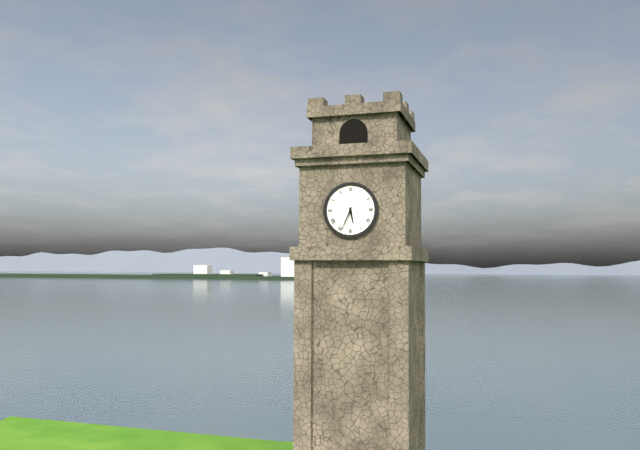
5:34
